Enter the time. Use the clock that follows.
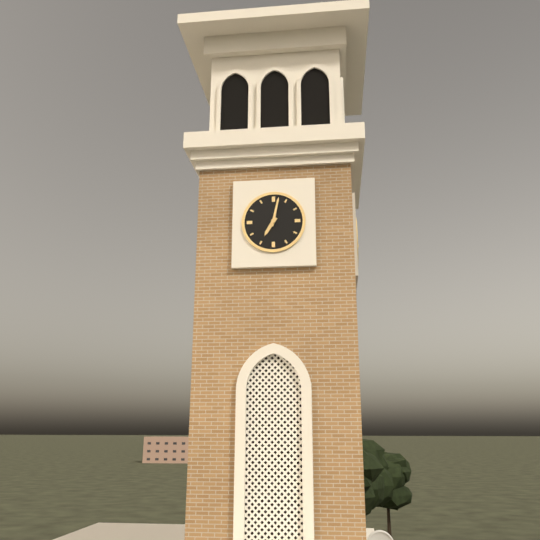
7:02
